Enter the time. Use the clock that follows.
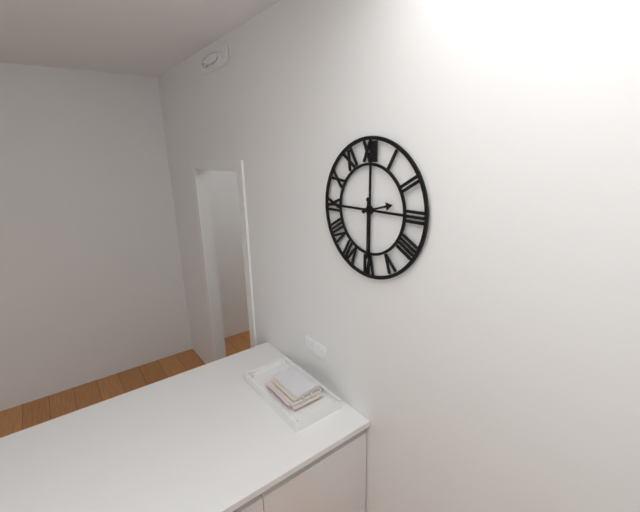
2:30
